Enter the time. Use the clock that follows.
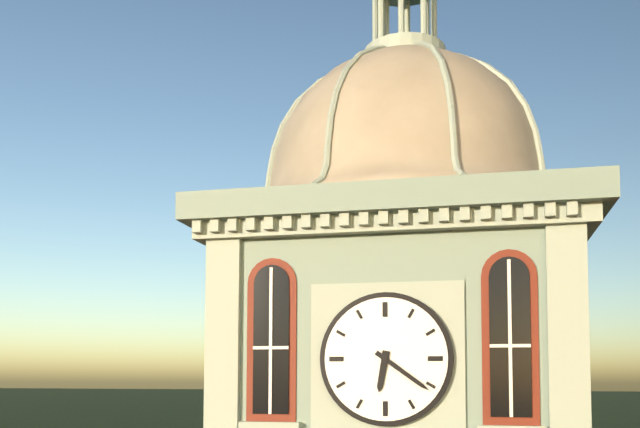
6:21
